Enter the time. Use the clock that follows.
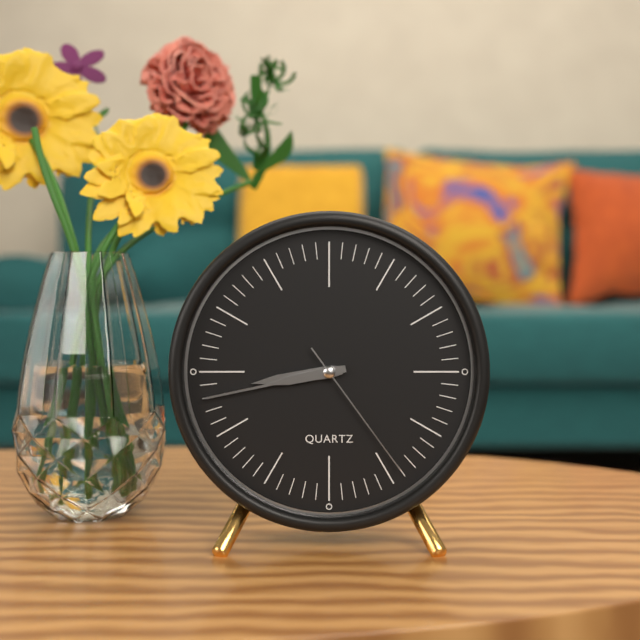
8:43:24
